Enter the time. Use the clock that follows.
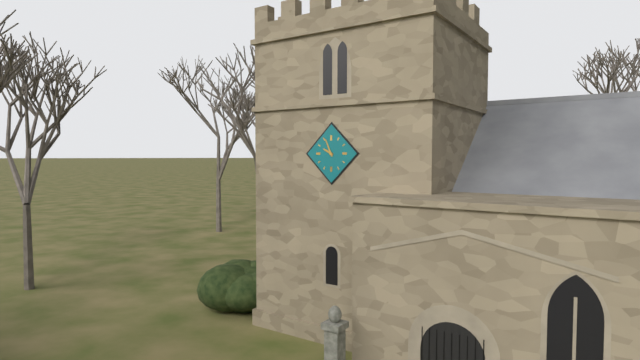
9:56
